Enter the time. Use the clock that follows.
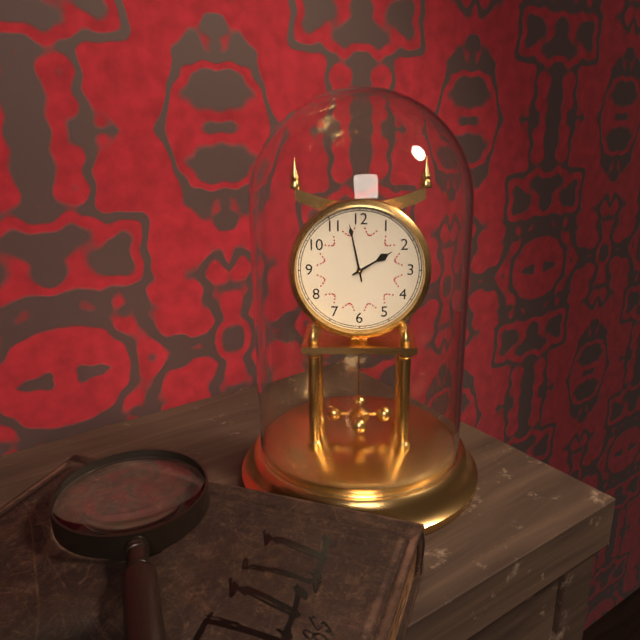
1:58
